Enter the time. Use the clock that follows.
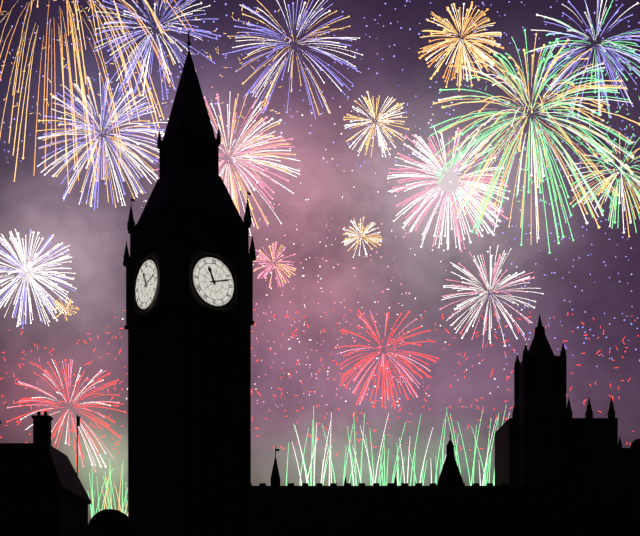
11:12
